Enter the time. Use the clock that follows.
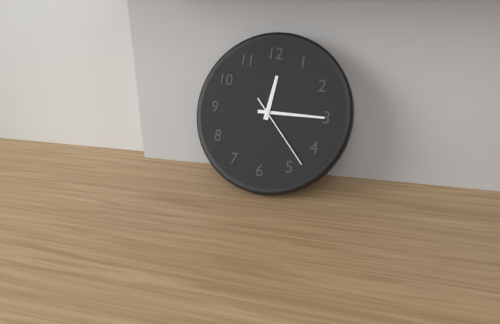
12:15:23
